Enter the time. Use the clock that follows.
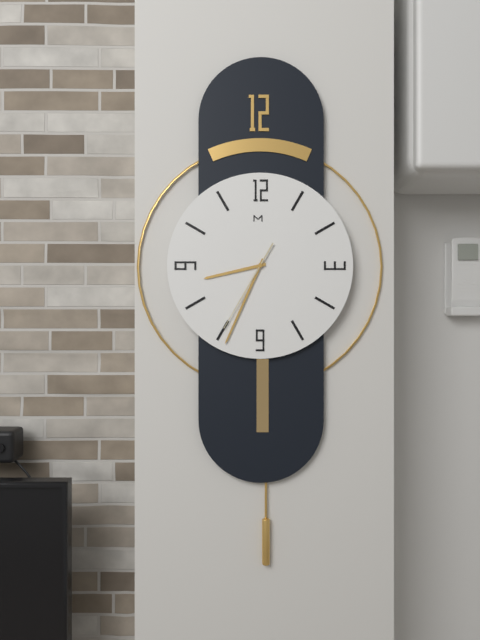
8:34:35
